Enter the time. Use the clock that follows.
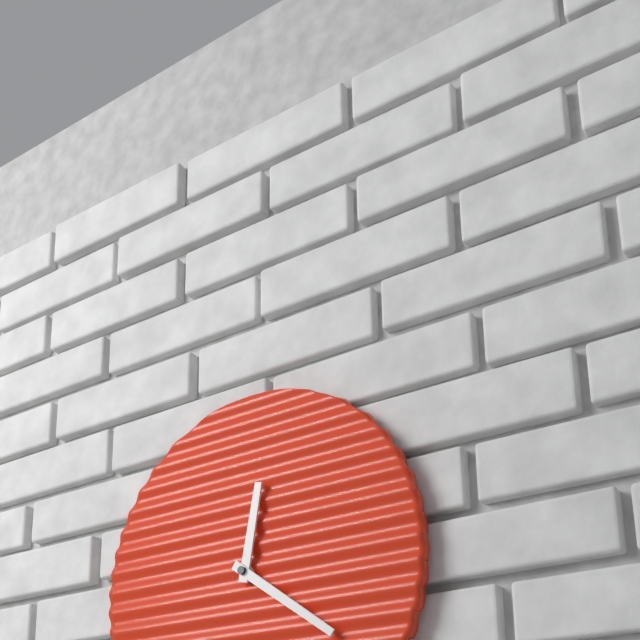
12:21
